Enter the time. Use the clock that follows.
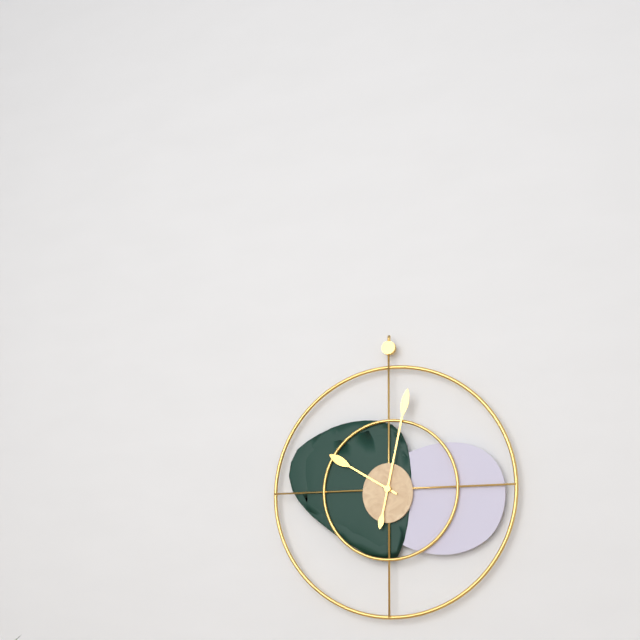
10:02
